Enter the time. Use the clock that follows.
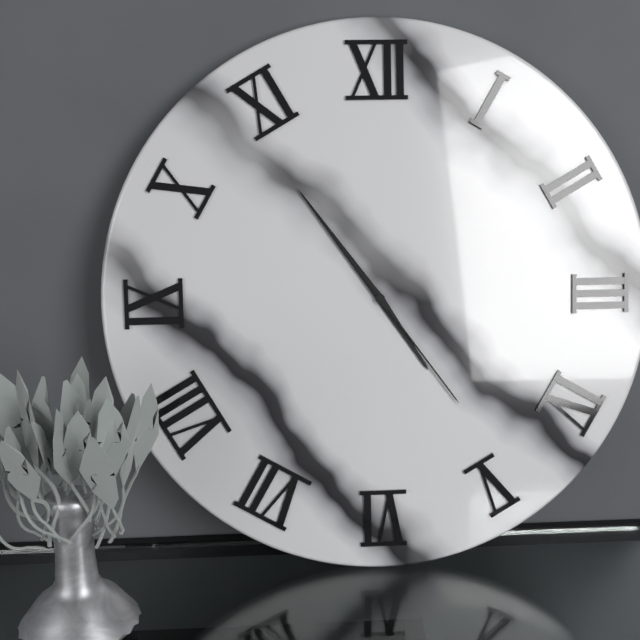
4:54:24
